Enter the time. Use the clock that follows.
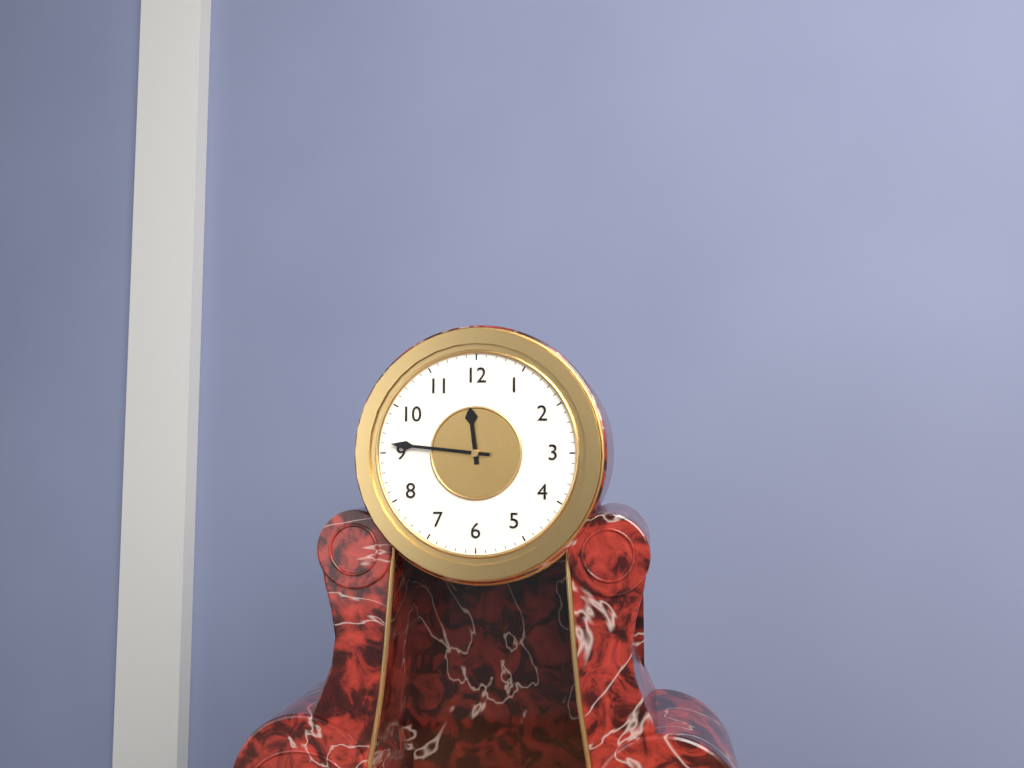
11:46
